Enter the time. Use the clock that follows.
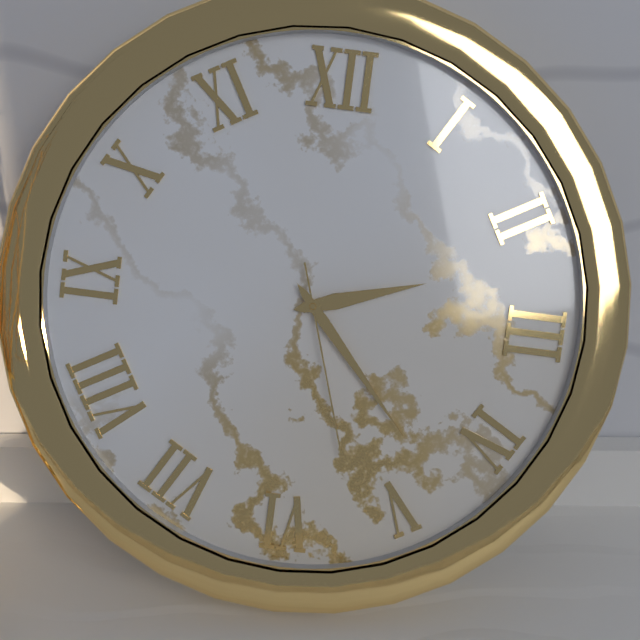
2:23:27
